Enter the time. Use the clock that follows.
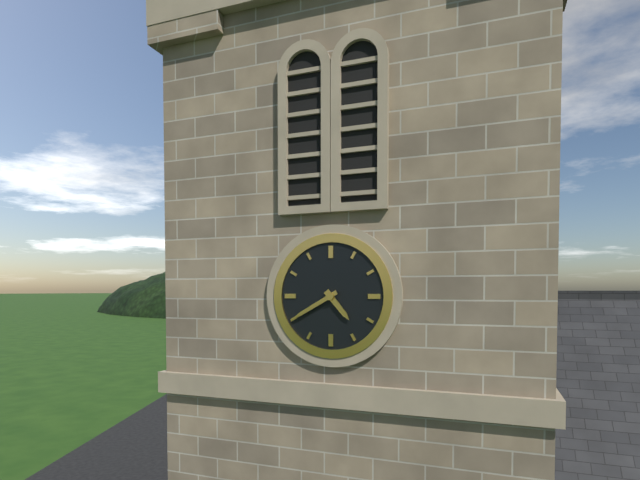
4:40
